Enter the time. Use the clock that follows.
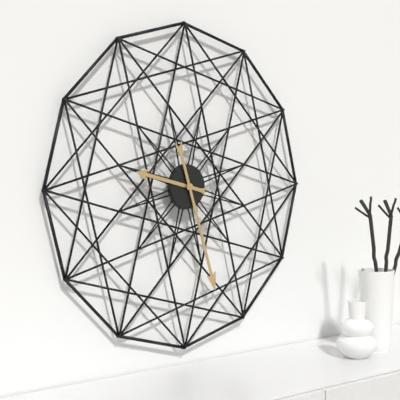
9:27
